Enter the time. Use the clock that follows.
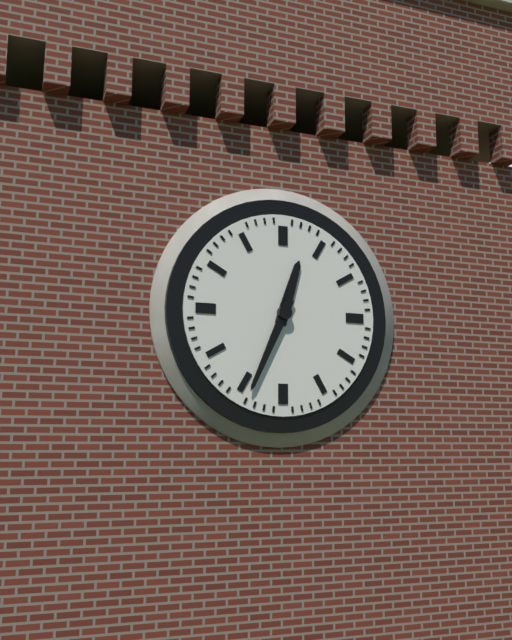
12:34
